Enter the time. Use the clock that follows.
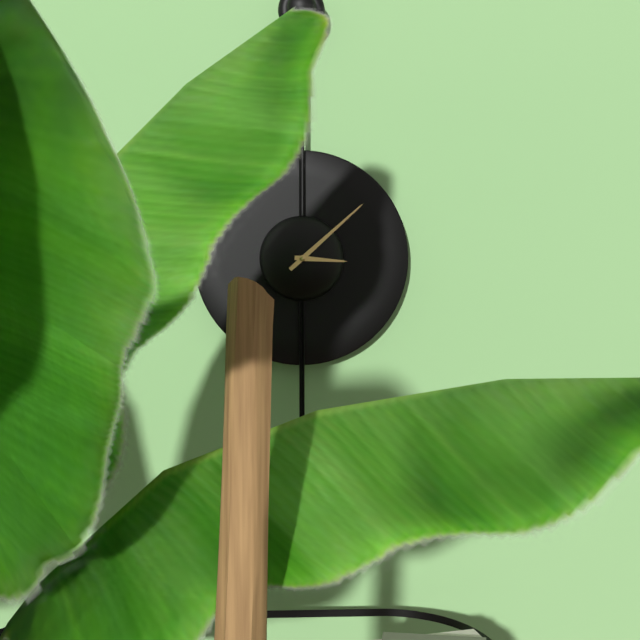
3:08
